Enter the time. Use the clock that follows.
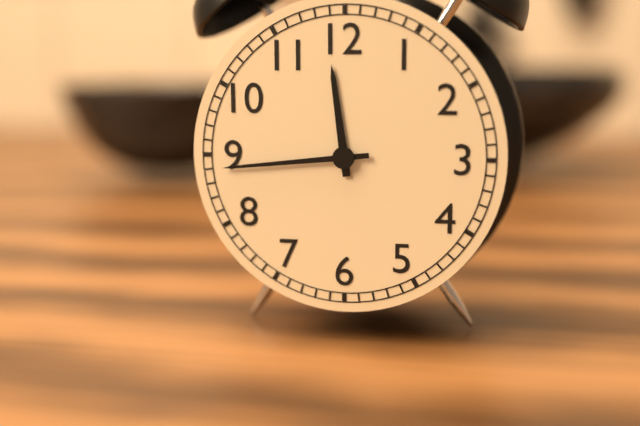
11:44
